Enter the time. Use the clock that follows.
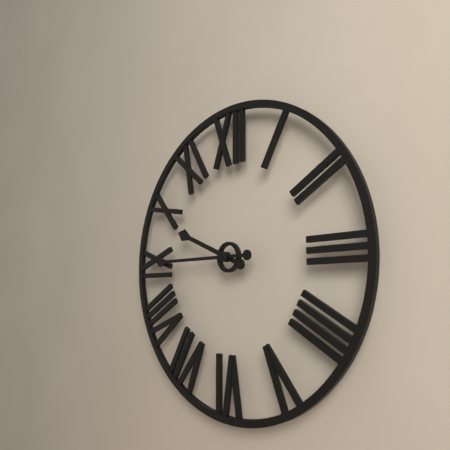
9:45
